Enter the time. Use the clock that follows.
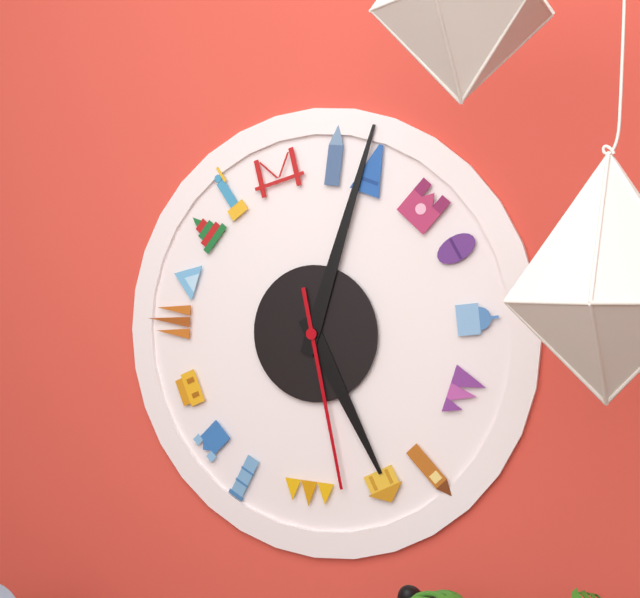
5:03:28
